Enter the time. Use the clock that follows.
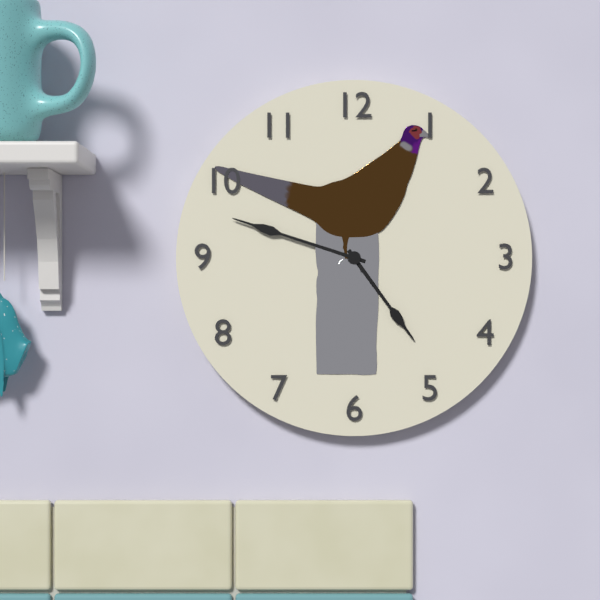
4:48
